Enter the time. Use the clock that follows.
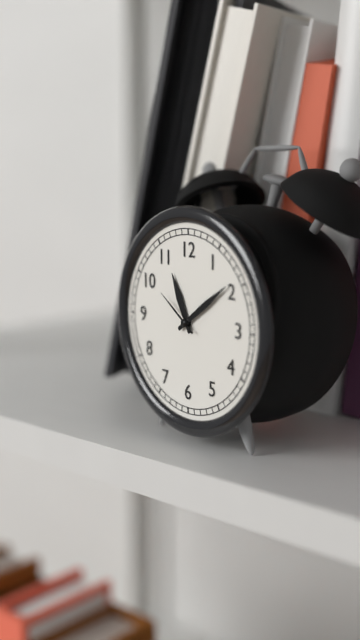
11:09
